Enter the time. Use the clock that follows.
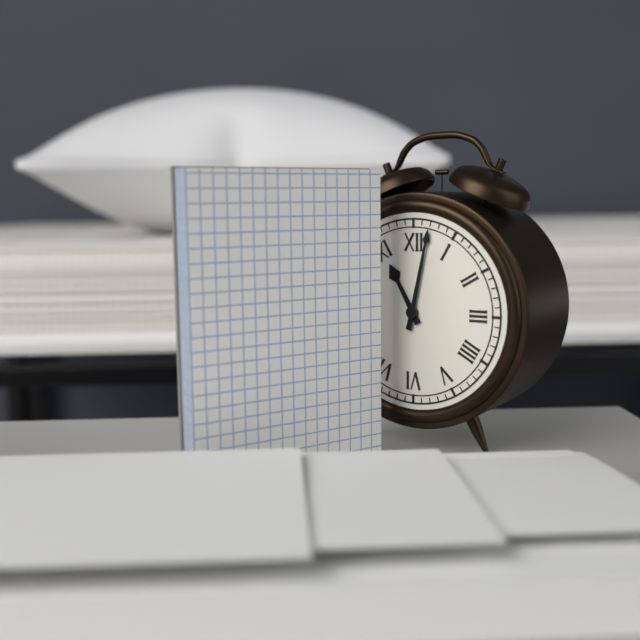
11:02
